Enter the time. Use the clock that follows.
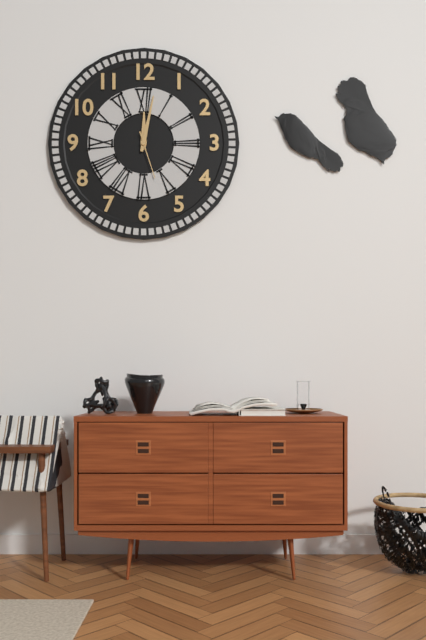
12:02
